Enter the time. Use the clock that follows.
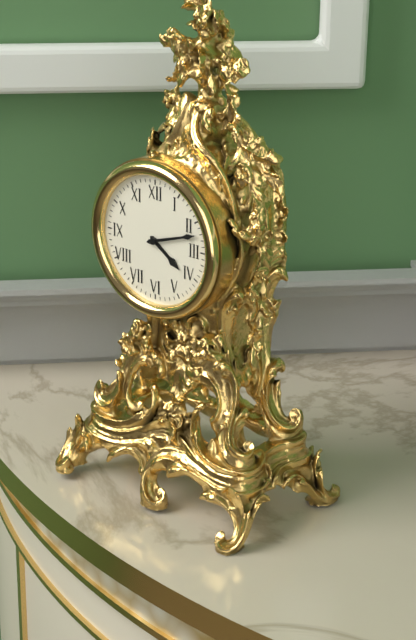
4:12
